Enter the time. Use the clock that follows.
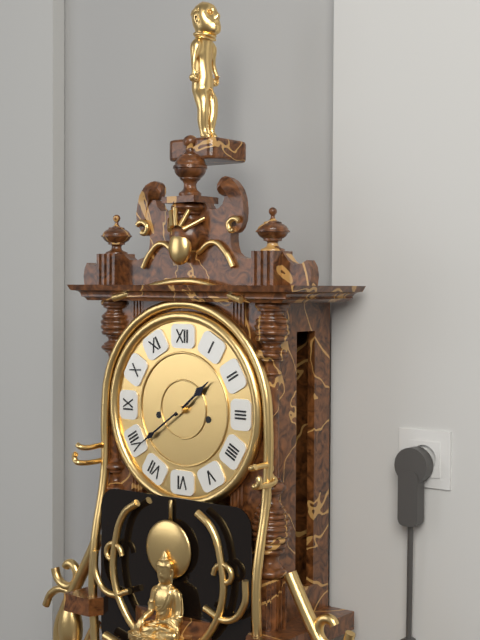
1:39
